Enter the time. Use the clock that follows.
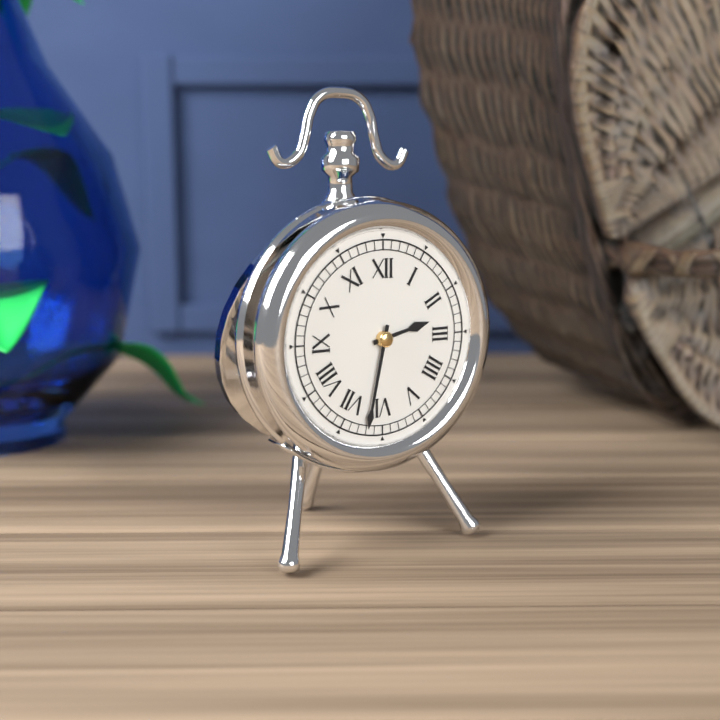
2:32
